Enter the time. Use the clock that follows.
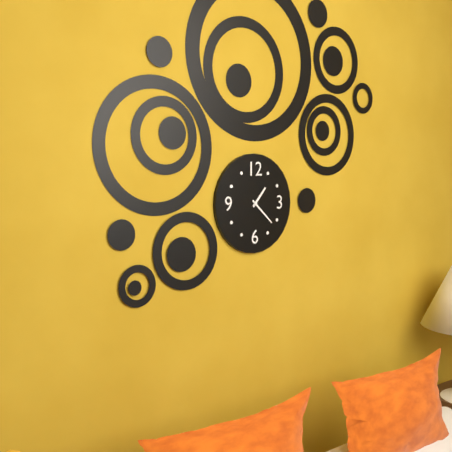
1:22
